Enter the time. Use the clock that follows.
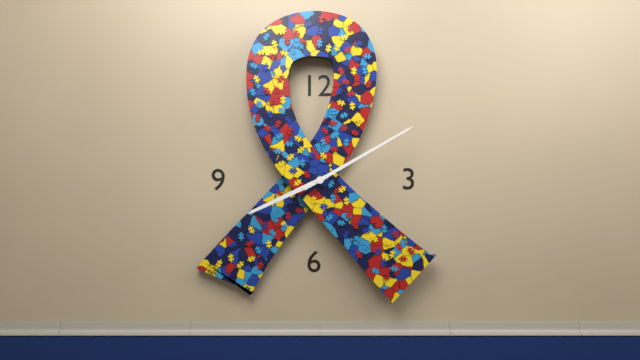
8:10
